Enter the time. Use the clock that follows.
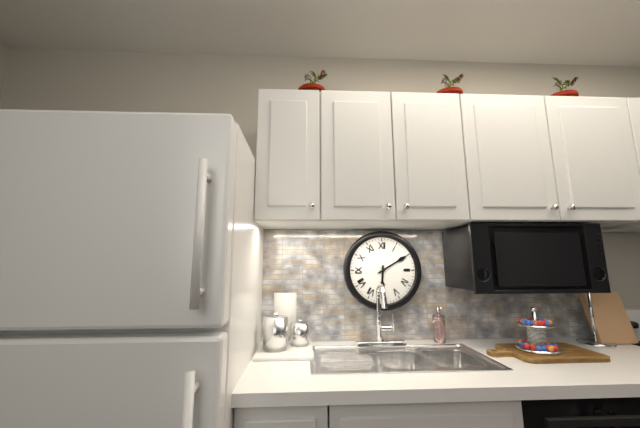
6:10
